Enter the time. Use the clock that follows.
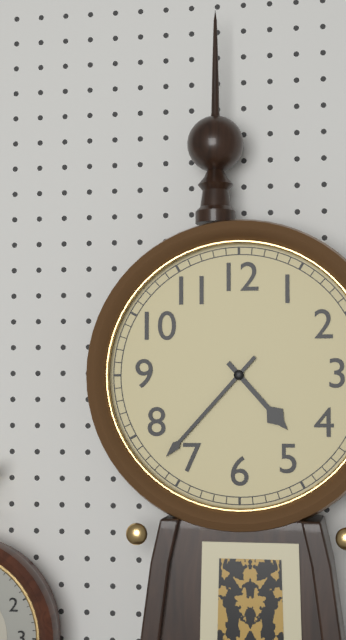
4:37
